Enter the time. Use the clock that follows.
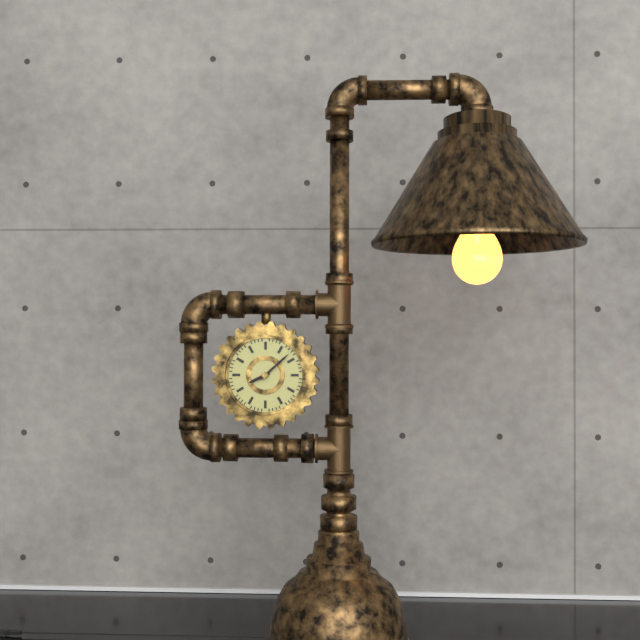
8:08
